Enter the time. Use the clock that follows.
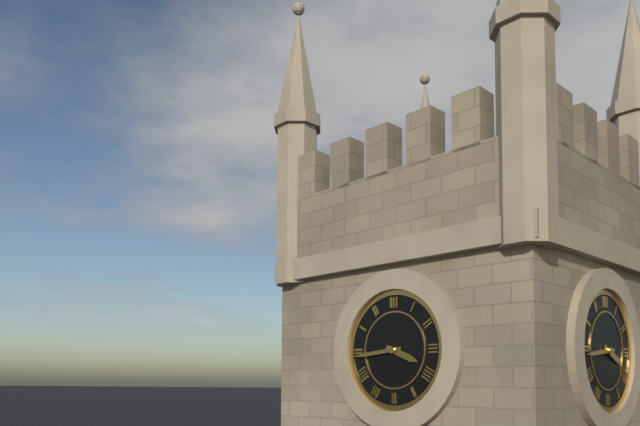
3:44
